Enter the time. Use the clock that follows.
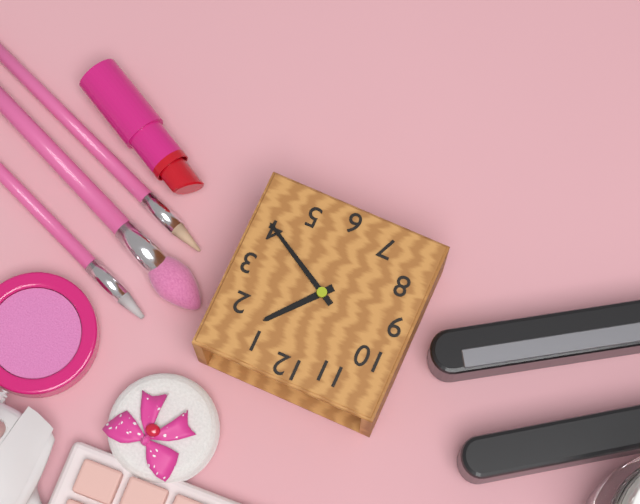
1:20
